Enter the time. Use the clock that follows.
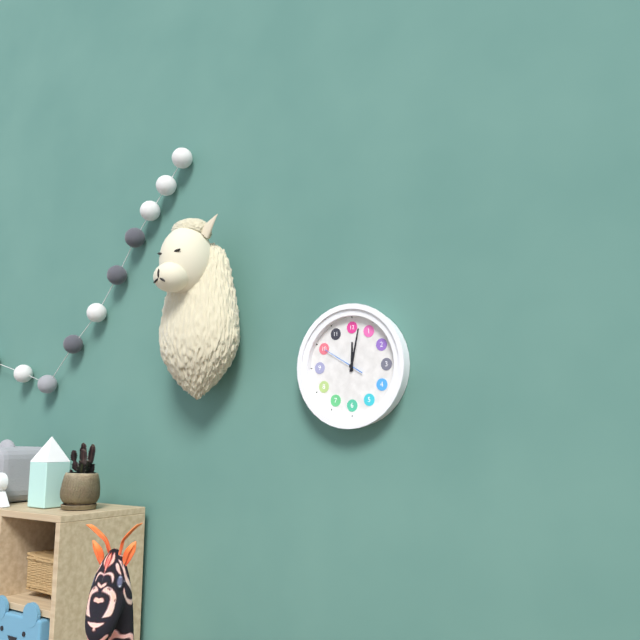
12:02
